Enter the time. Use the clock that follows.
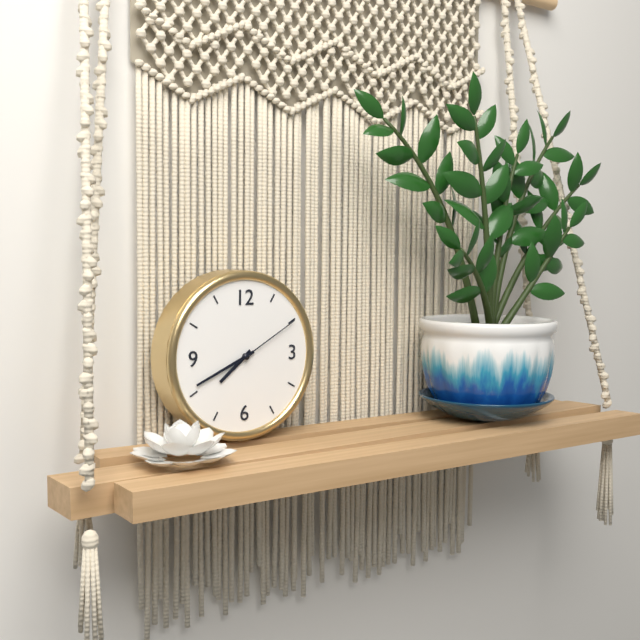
7:41:10
